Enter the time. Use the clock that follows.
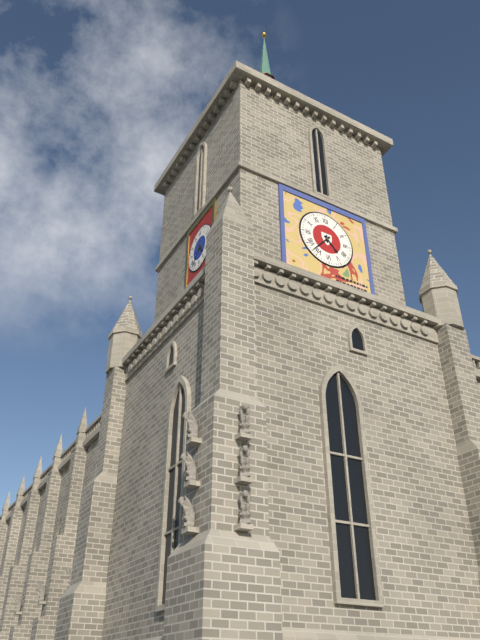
4:37
